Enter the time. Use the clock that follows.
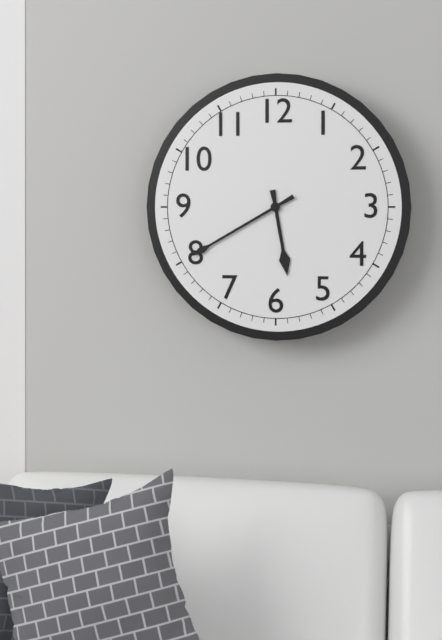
5:40
